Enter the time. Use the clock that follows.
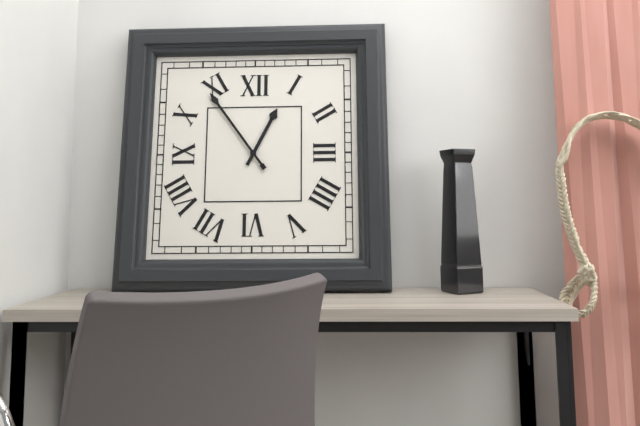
12:54
